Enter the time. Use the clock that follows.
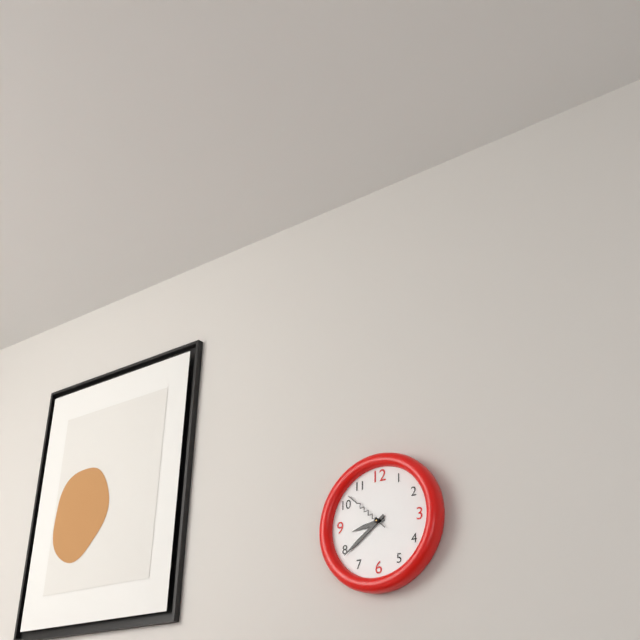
8:39
